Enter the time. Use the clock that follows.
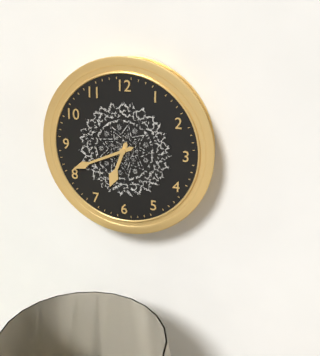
6:41
